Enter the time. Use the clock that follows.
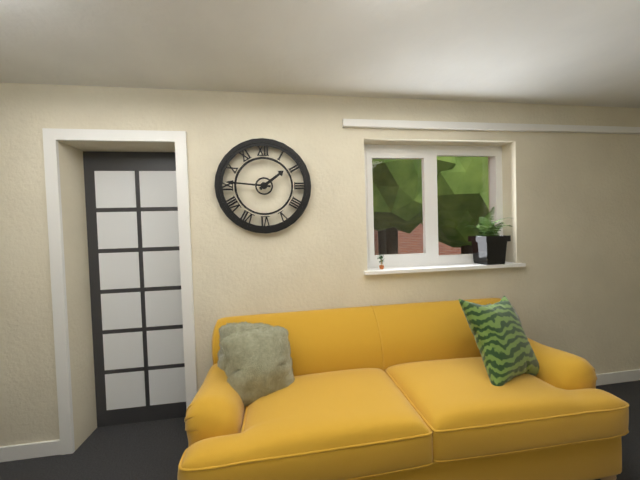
1:46
